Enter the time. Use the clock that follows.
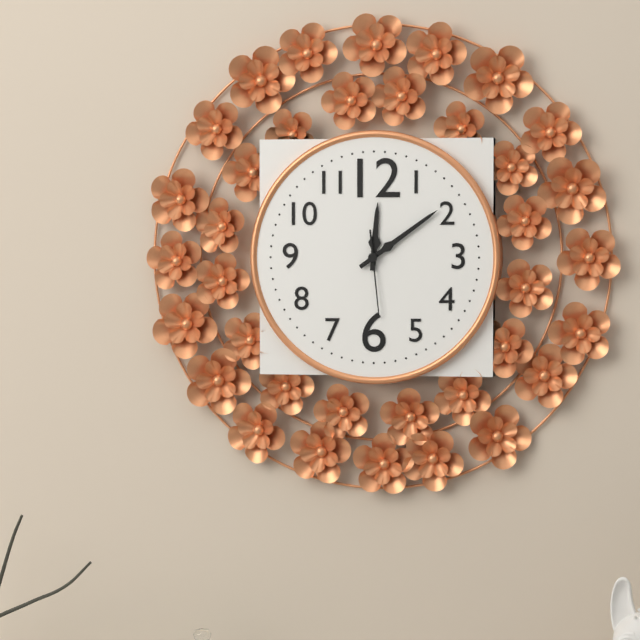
12:09:29
